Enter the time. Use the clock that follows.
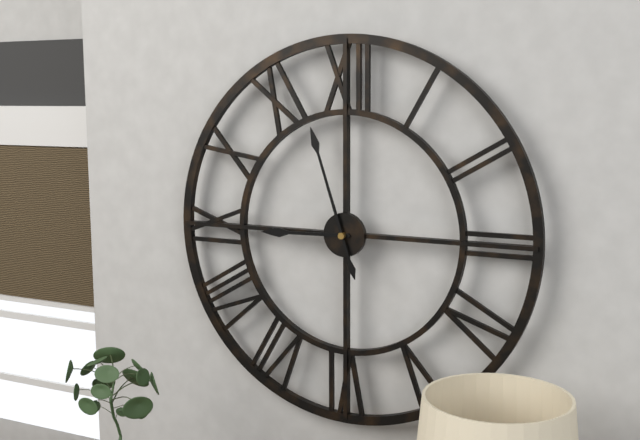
8:57
